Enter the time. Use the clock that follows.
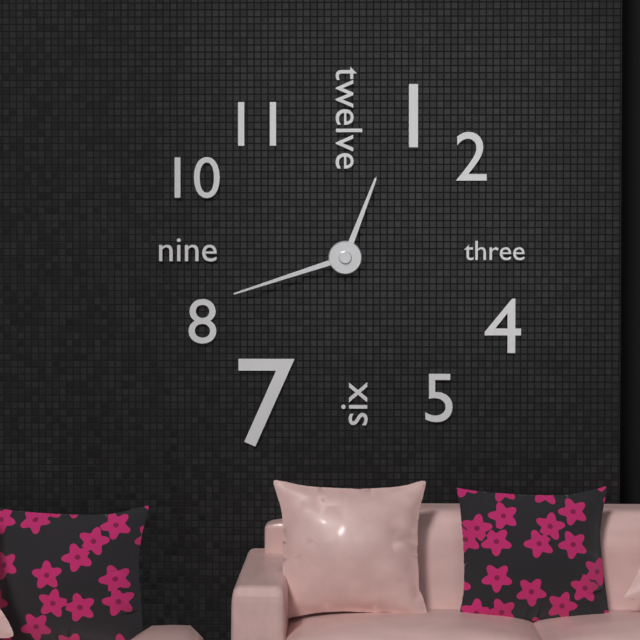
12:42
